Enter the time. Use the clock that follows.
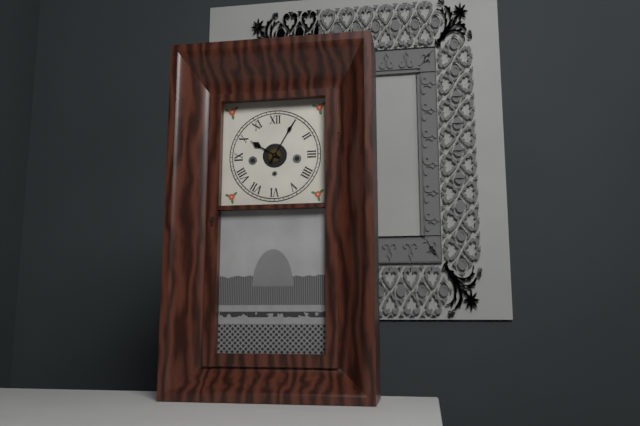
10:05
